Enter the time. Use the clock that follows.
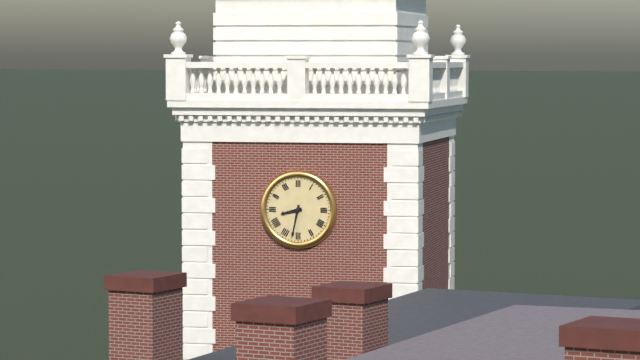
8:32
